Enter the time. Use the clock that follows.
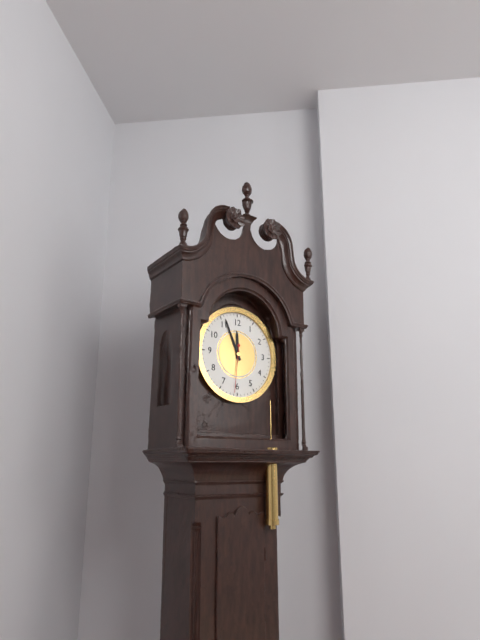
11:56
